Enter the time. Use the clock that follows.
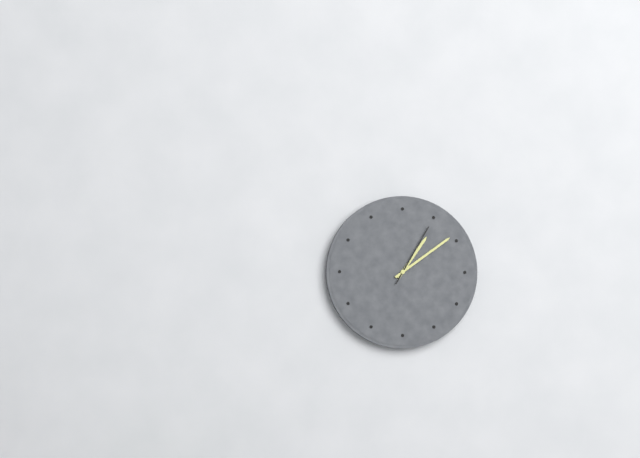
1:09:05
